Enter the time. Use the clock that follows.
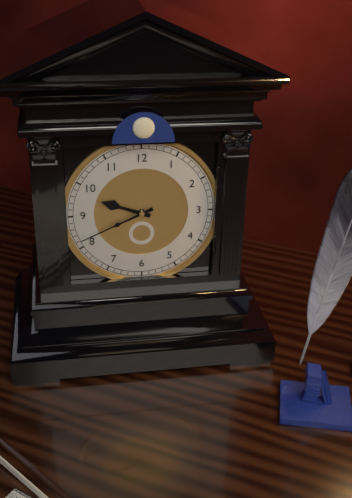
9:41
